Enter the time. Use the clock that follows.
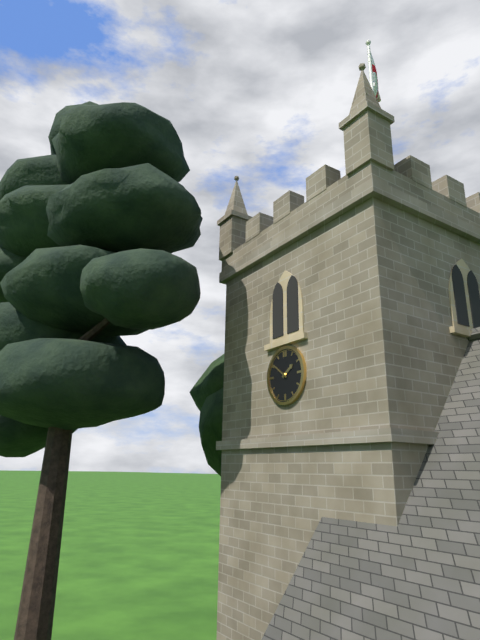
1:51
